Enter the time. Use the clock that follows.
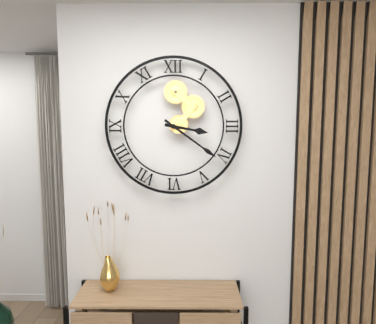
3:21
